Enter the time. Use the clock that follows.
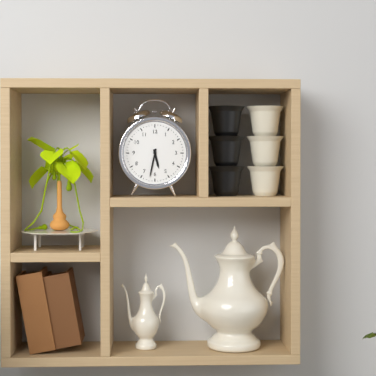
5:32
